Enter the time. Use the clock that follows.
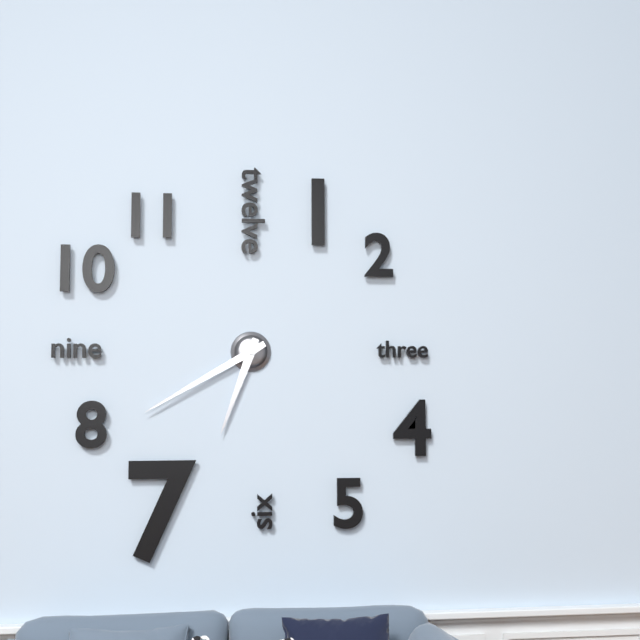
6:40
